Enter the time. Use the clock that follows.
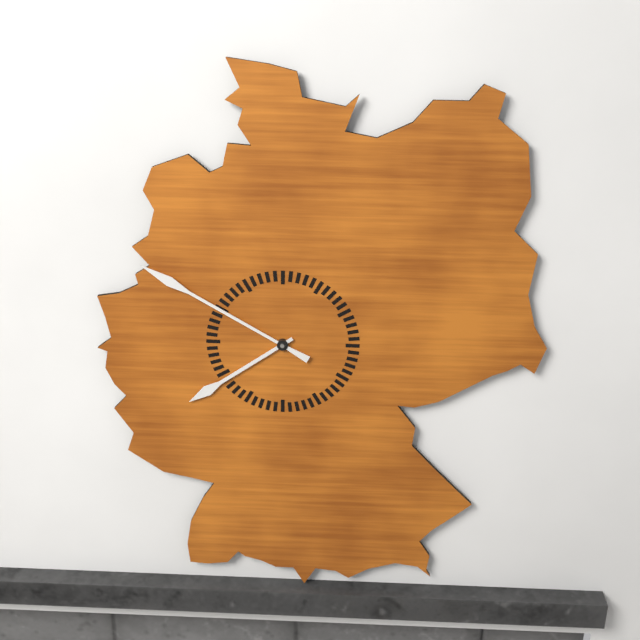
7:50
